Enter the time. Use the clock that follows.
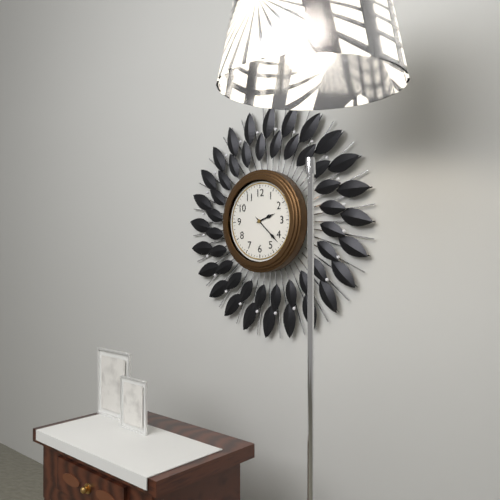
2:22
